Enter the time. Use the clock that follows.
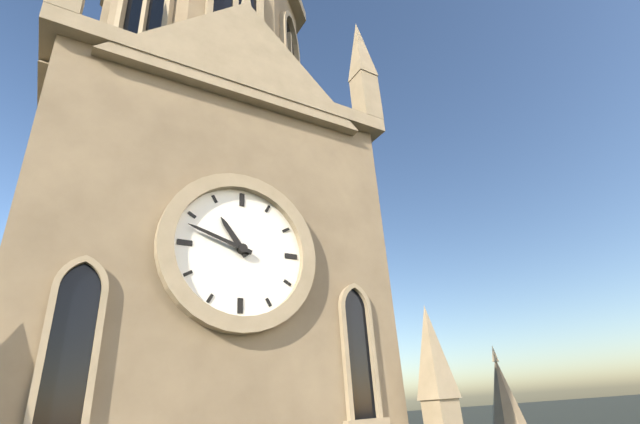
10:48
